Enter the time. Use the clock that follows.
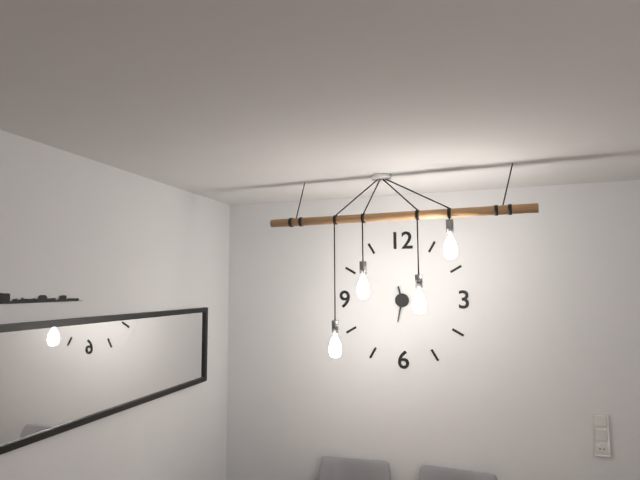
11:32
